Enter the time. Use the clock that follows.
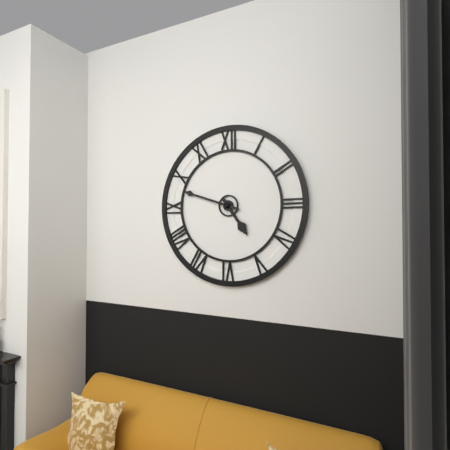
4:48
